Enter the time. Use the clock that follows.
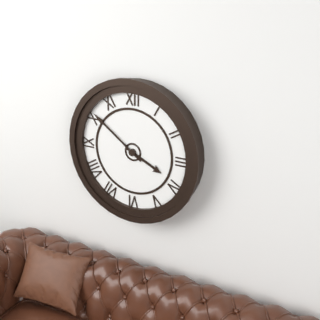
3:51
